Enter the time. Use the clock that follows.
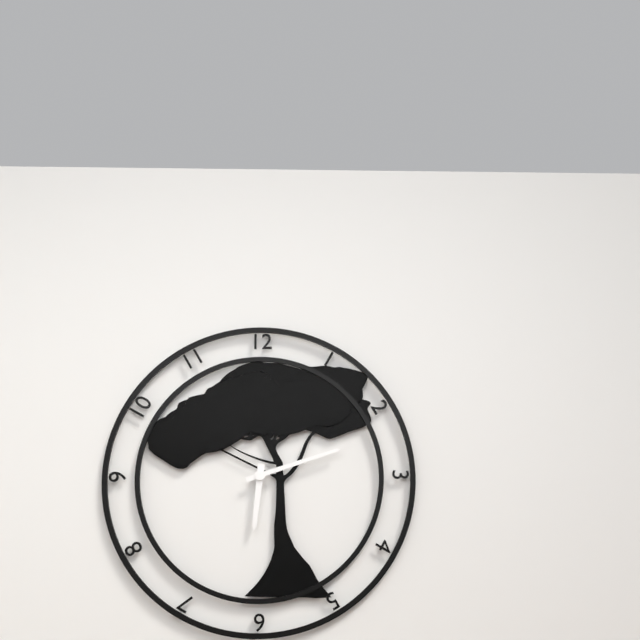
6:12
